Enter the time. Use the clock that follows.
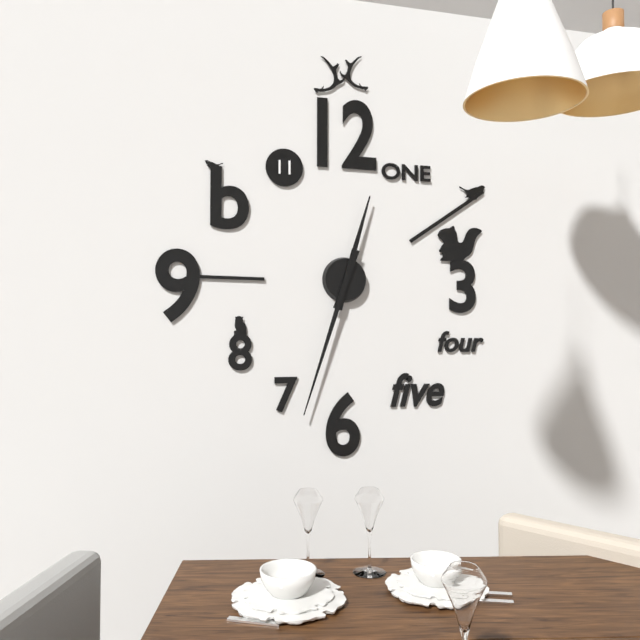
12:33
